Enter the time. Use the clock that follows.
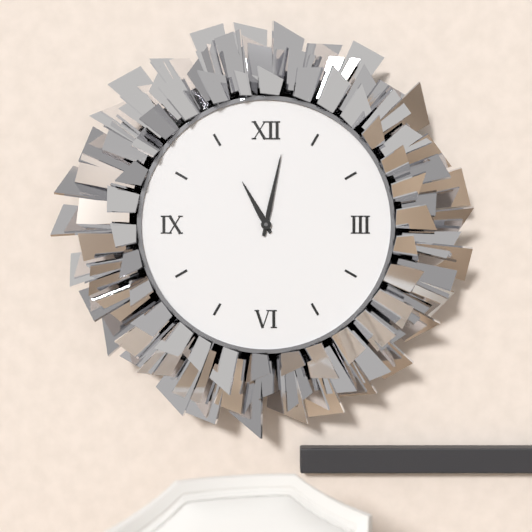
11:02
